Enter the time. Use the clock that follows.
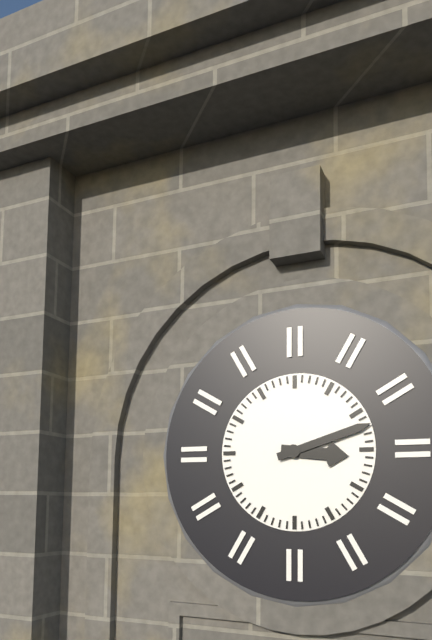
3:12
